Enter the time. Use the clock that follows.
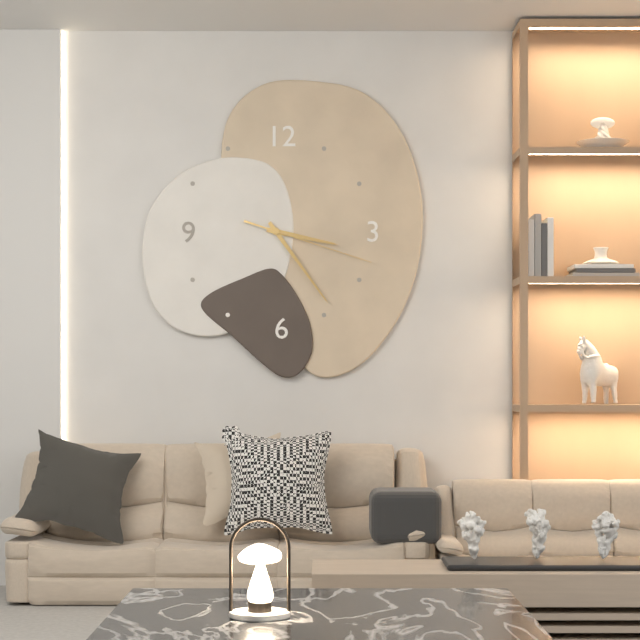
3:24:18
